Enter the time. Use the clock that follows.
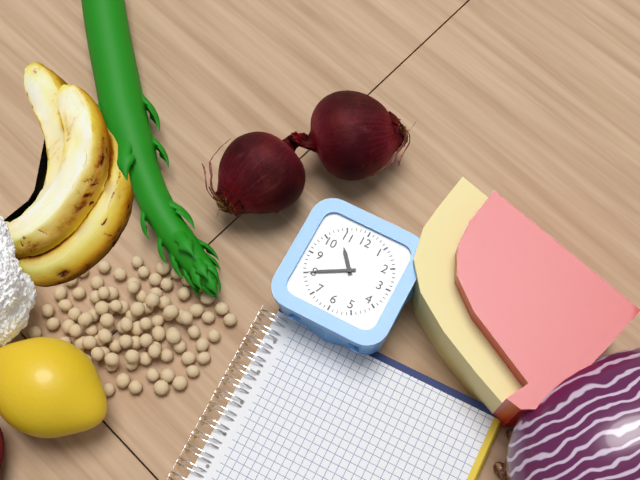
10:40
